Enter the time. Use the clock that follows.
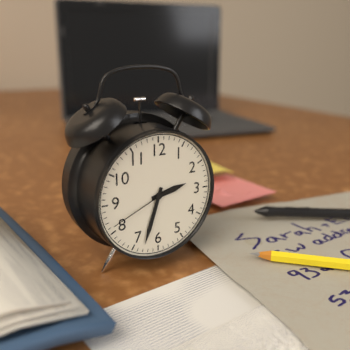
2:33:41
